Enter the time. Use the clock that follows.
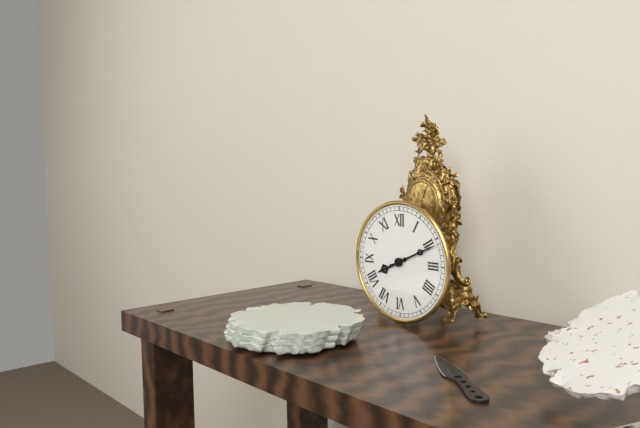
8:11
